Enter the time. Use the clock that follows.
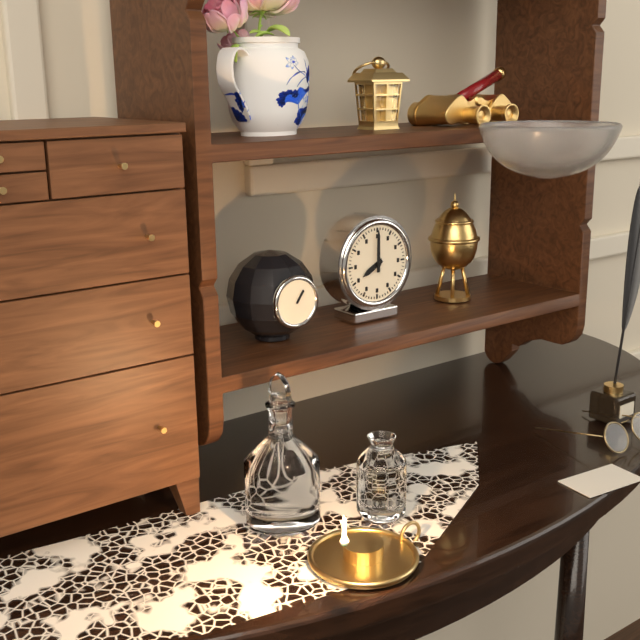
8:00
